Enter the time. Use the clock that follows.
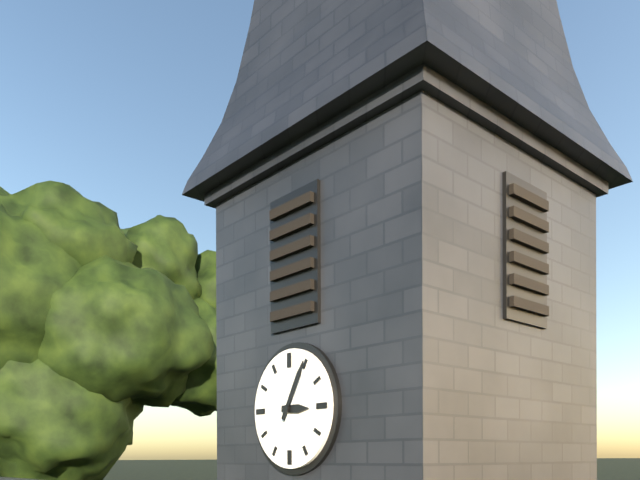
3:05
